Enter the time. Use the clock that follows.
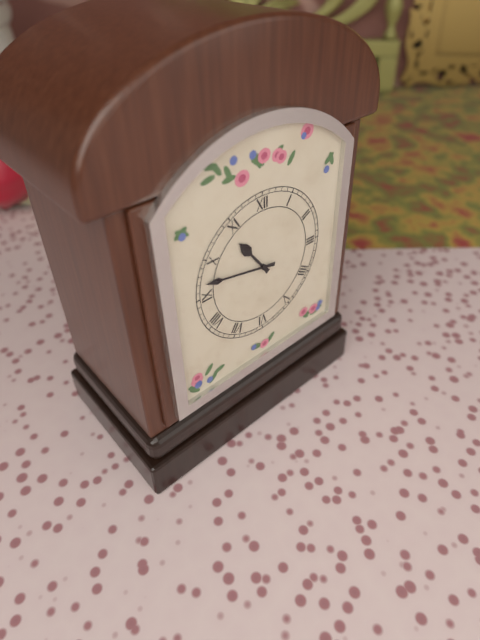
10:47
